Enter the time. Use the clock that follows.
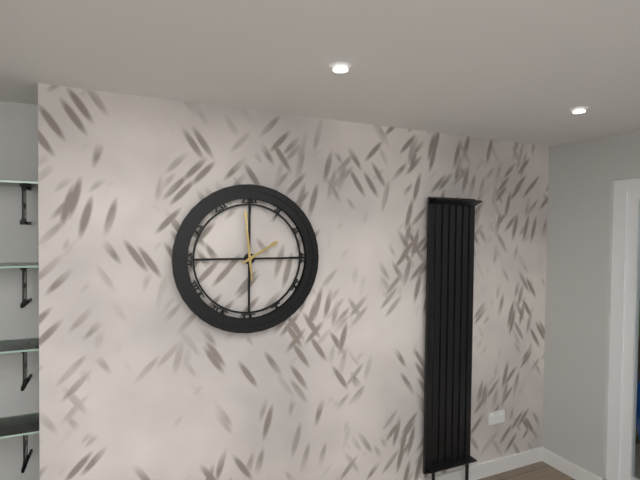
1:59
